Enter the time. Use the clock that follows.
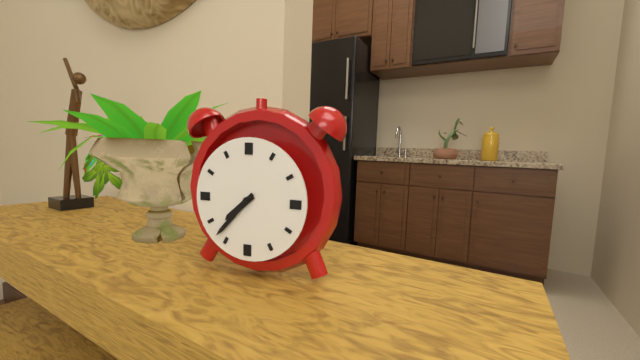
7:37
